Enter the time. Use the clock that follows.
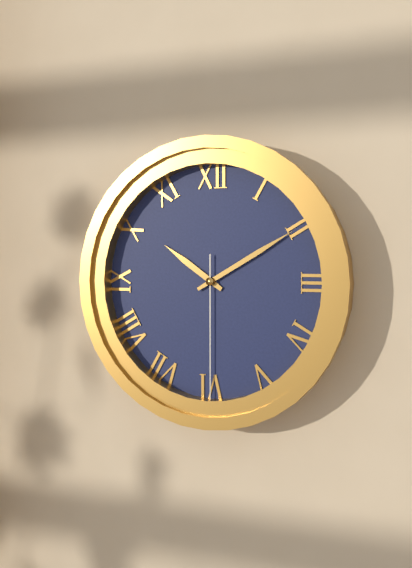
10:10:30
